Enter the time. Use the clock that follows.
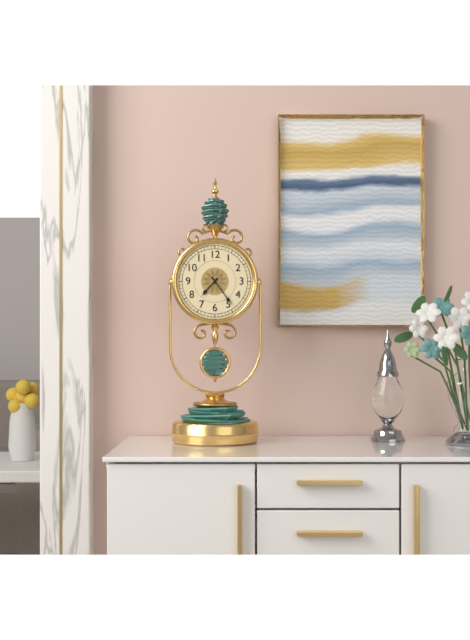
7:24
